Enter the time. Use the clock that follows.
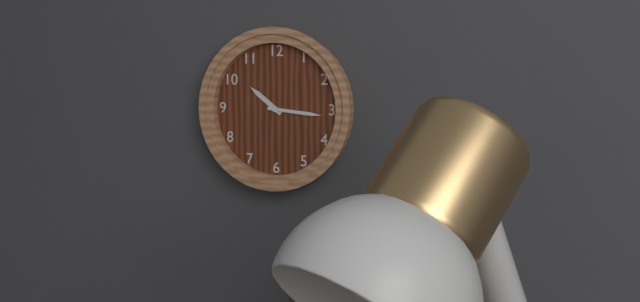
10:16
